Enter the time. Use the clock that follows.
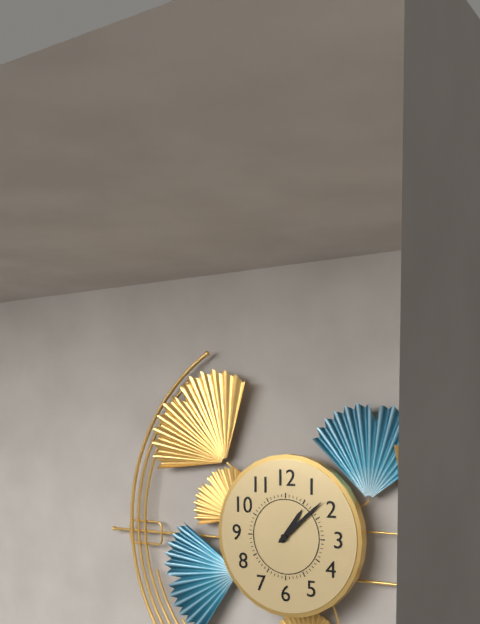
1:08
